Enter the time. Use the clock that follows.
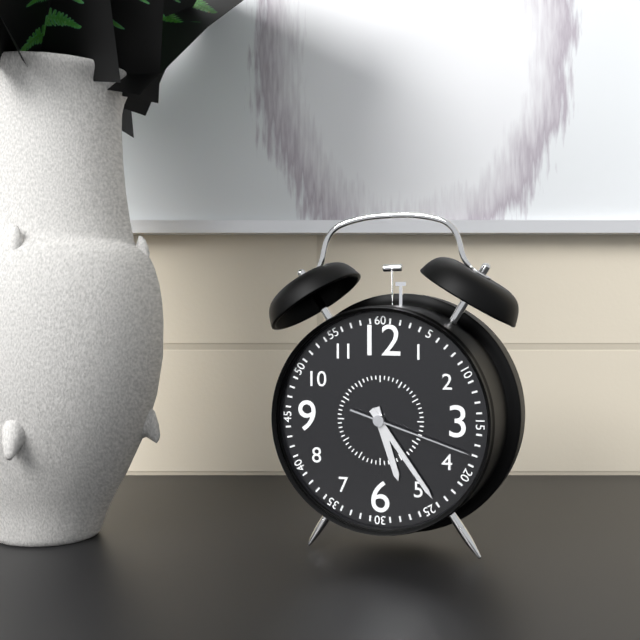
5:24:18
